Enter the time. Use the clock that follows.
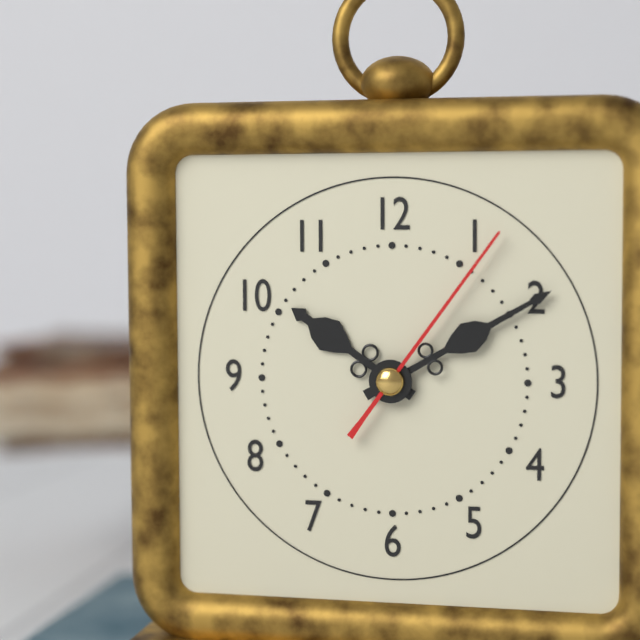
10:10:06
